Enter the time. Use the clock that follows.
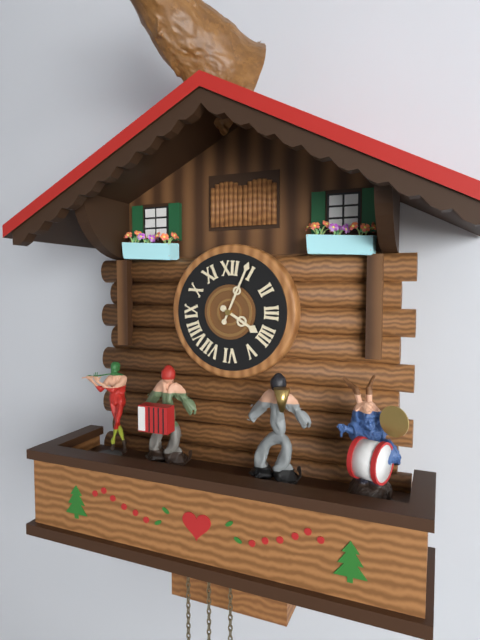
4:04
